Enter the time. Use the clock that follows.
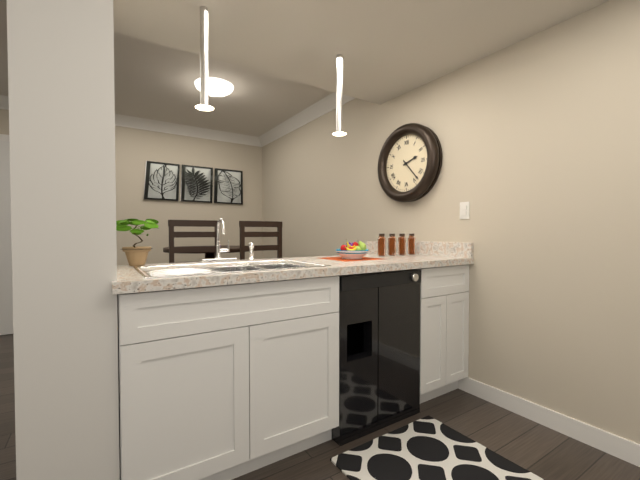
2:23
